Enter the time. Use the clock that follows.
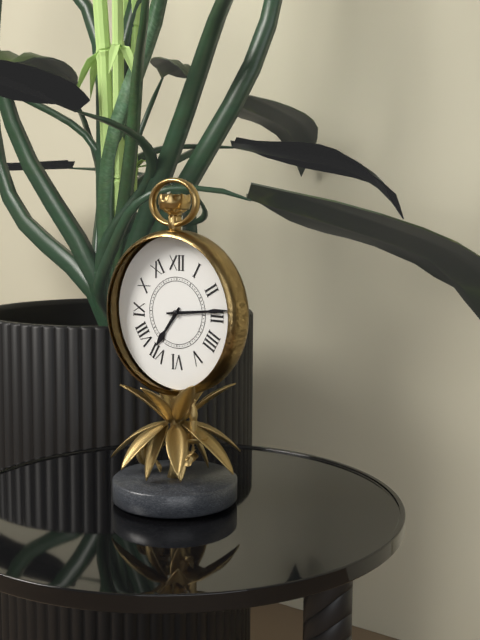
7:14
